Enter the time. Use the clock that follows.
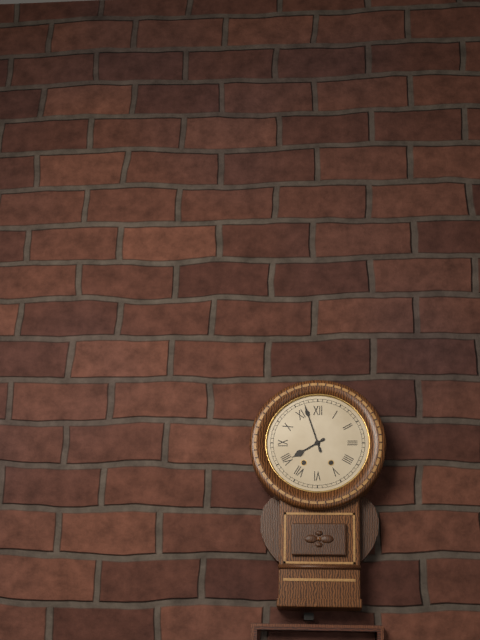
7:57
